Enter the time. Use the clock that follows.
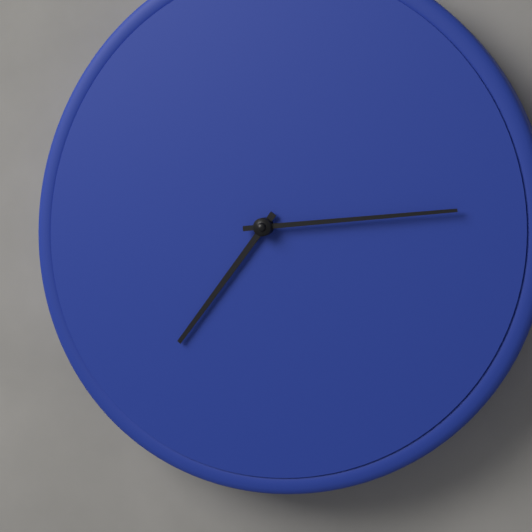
7:14
